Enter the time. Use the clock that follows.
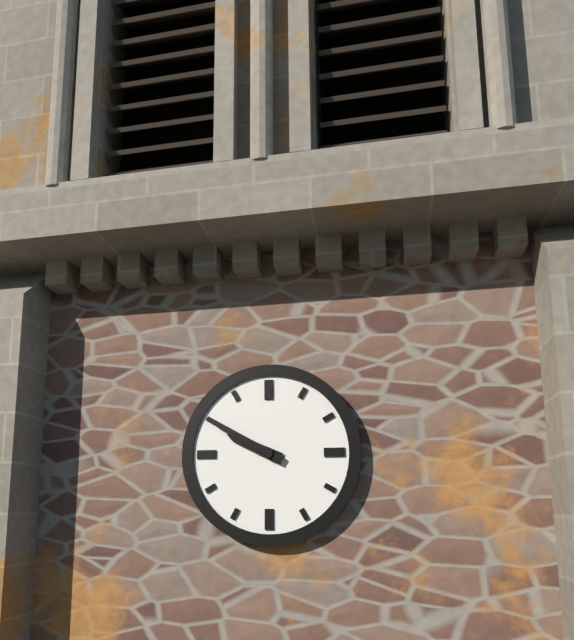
9:50
